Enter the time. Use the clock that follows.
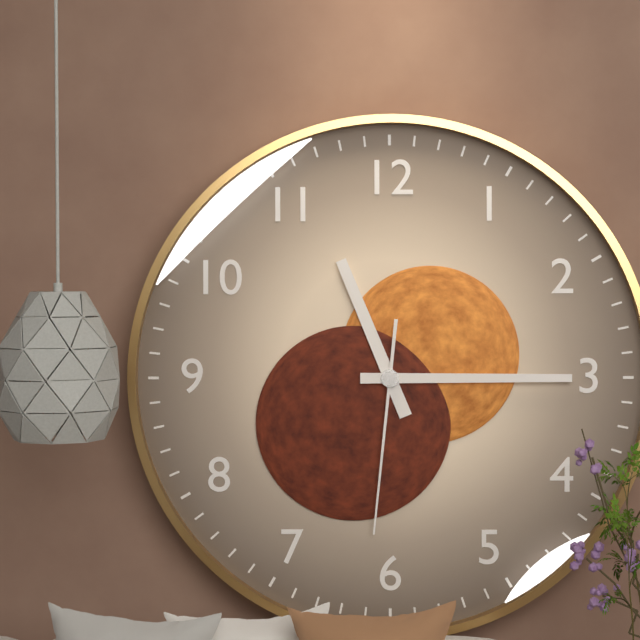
11:15:31
